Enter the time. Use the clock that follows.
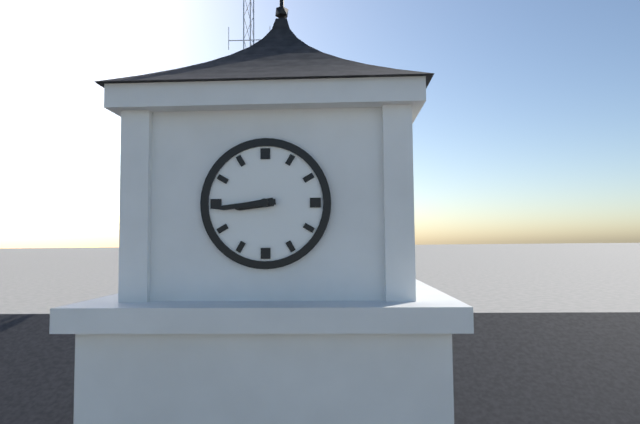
8:44
